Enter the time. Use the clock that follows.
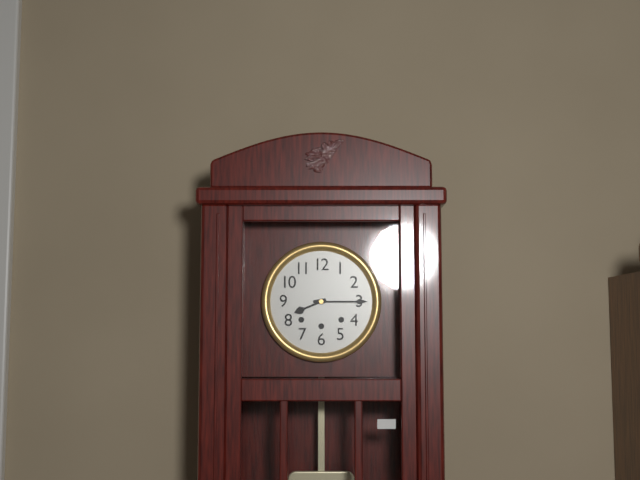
8:15
